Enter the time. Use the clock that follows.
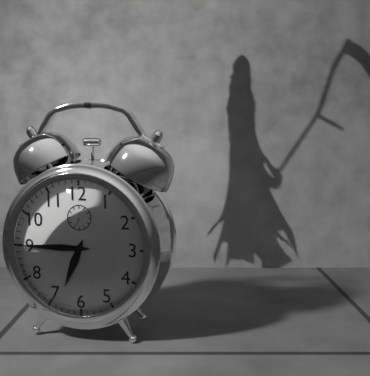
6:45
